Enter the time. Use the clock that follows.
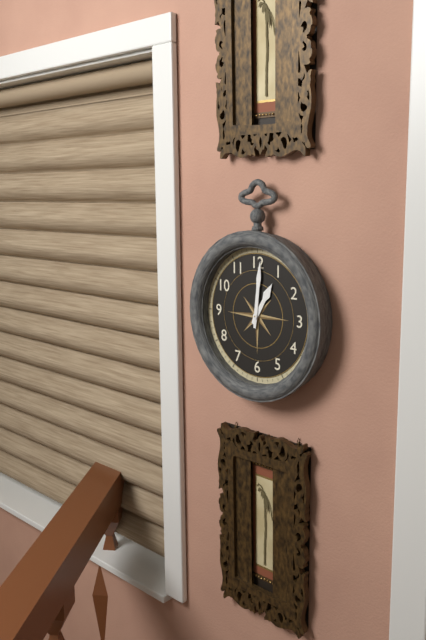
1:01
